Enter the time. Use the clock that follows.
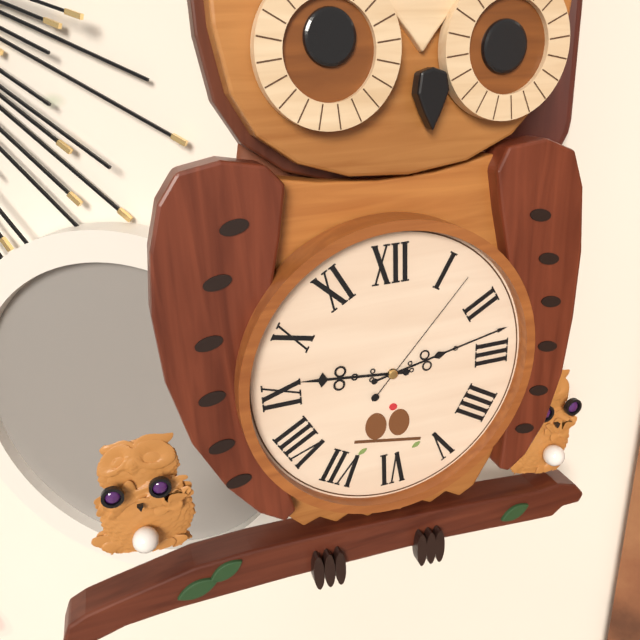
9:13:07
